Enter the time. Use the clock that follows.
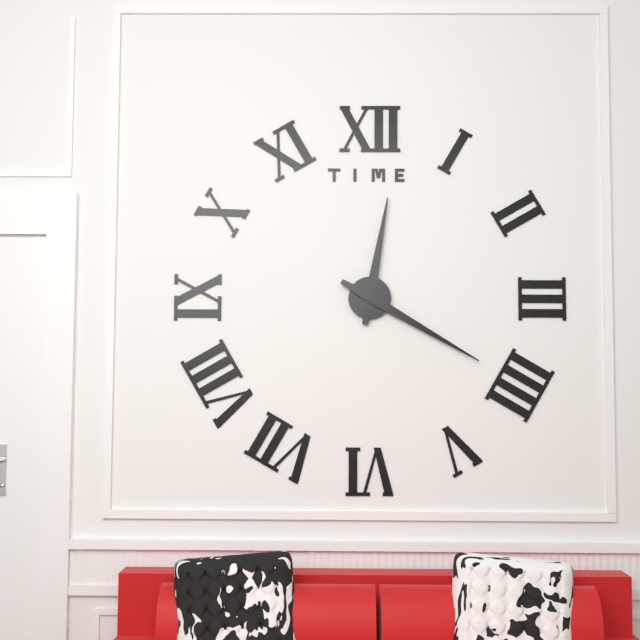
12:20
